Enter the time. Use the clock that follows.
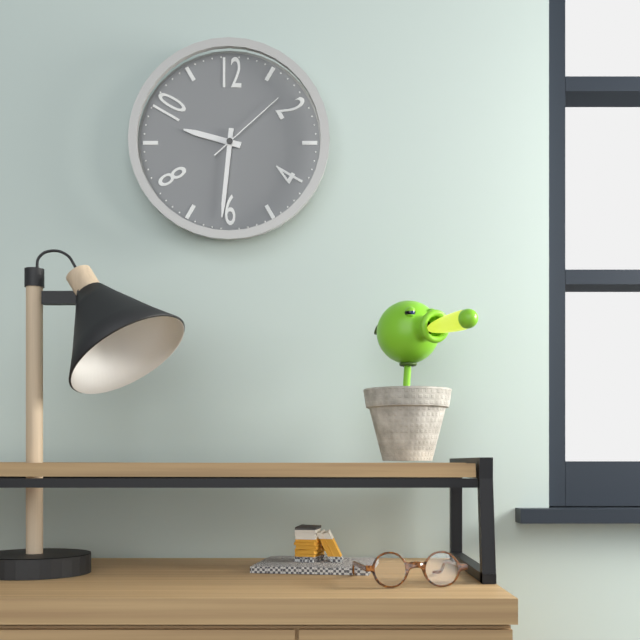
9:31:08
